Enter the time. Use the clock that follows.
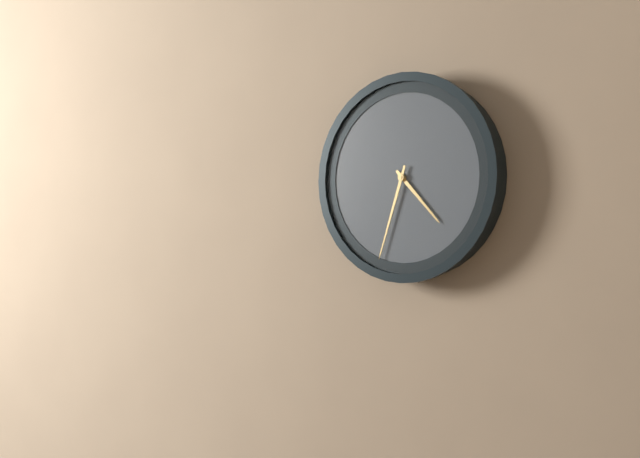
4:33
